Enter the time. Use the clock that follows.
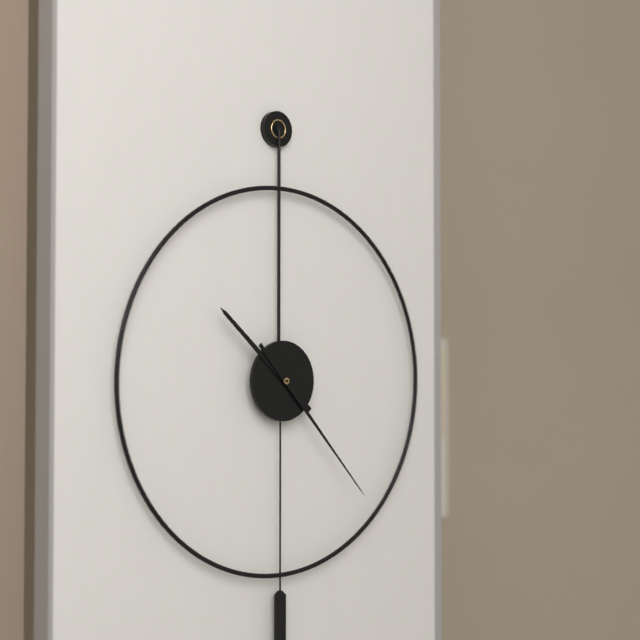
10:23
